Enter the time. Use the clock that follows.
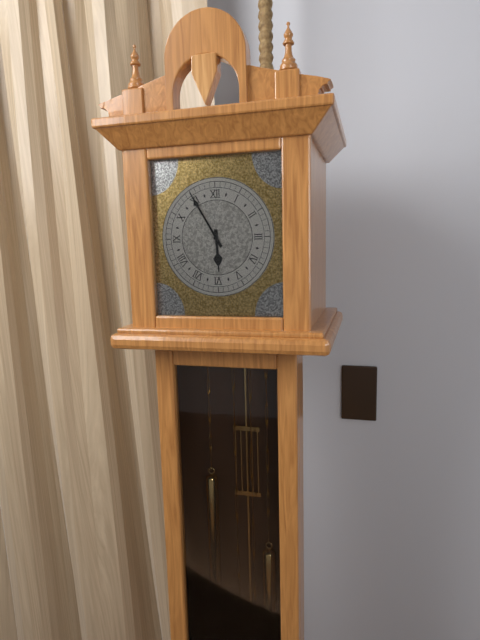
5:55
